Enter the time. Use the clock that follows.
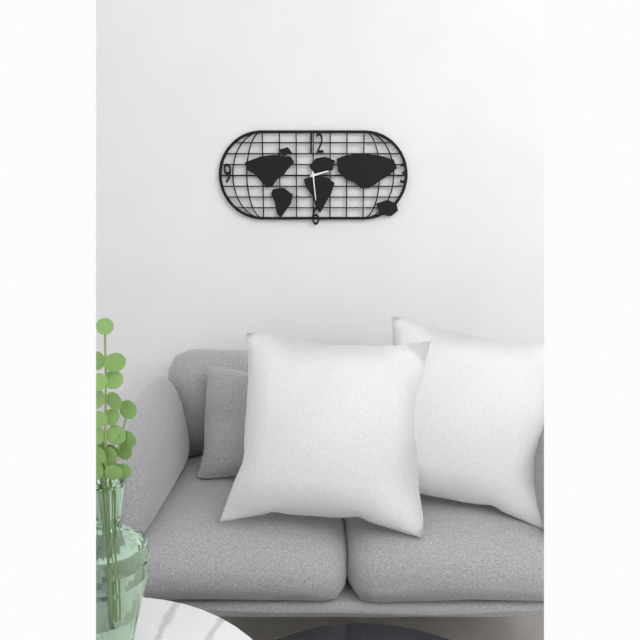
2:29
